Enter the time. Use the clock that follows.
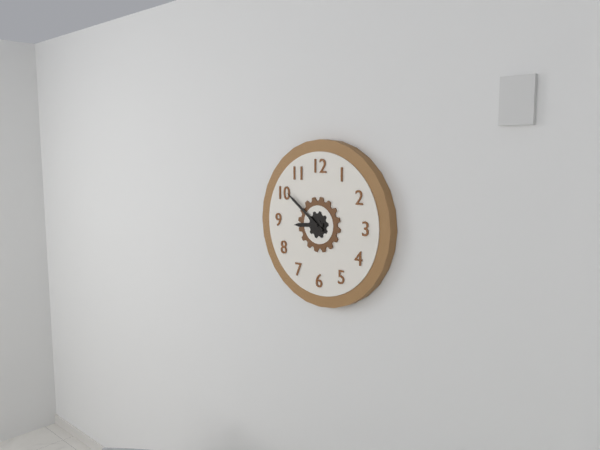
8:51
